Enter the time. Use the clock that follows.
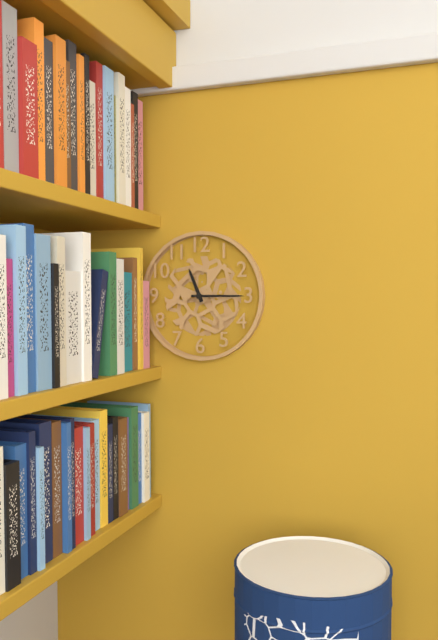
11:15
